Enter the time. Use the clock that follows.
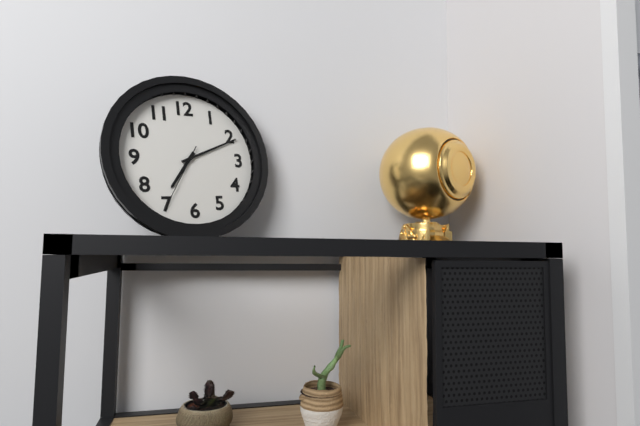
7:11:35
